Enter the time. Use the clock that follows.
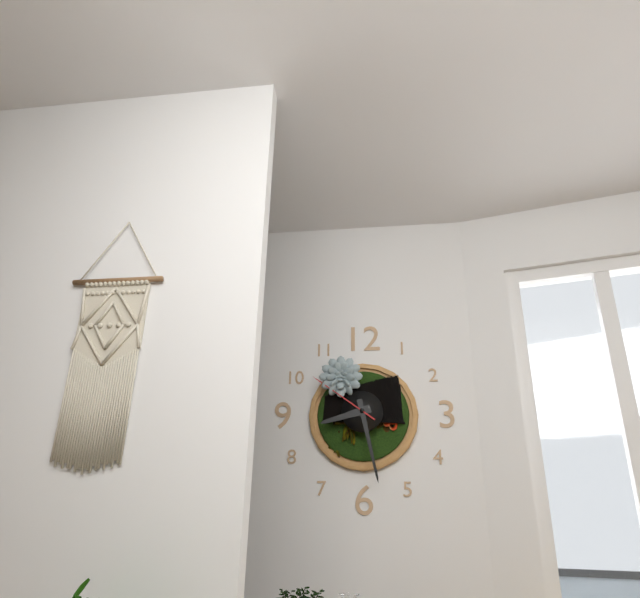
8:28:51
